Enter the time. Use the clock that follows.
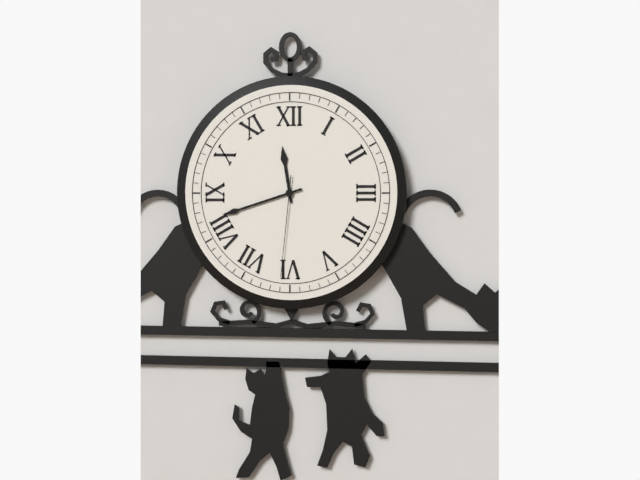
11:42:31
